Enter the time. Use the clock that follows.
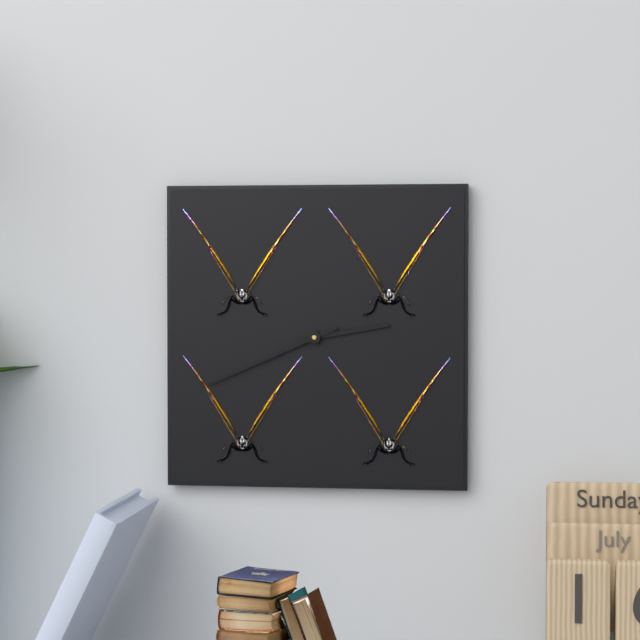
2:41
